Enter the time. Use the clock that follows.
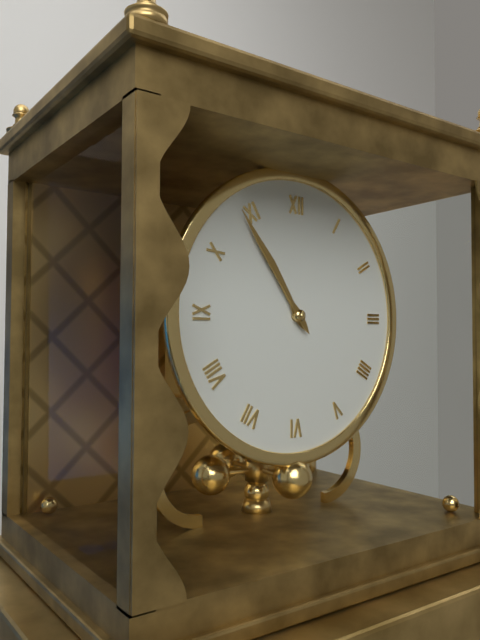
10:54
